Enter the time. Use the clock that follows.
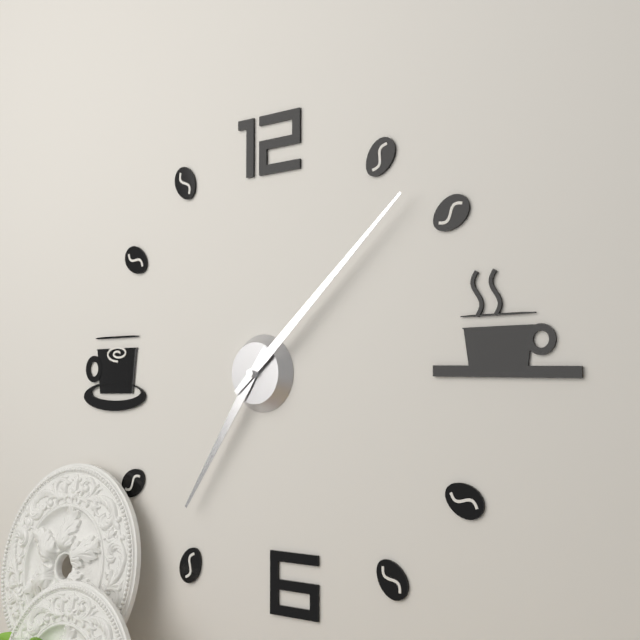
7:08
